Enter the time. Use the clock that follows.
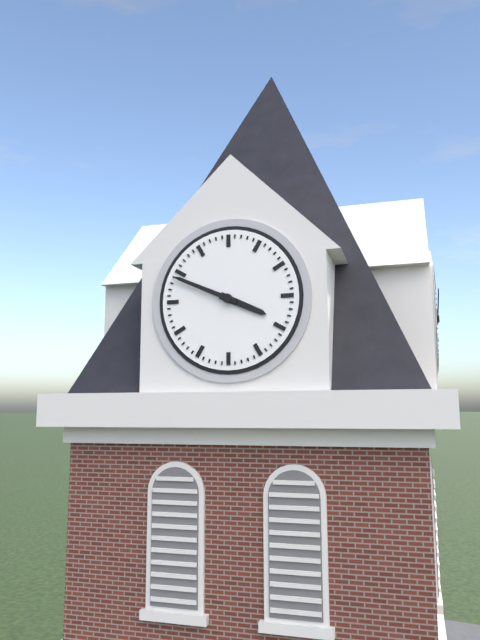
3:49
